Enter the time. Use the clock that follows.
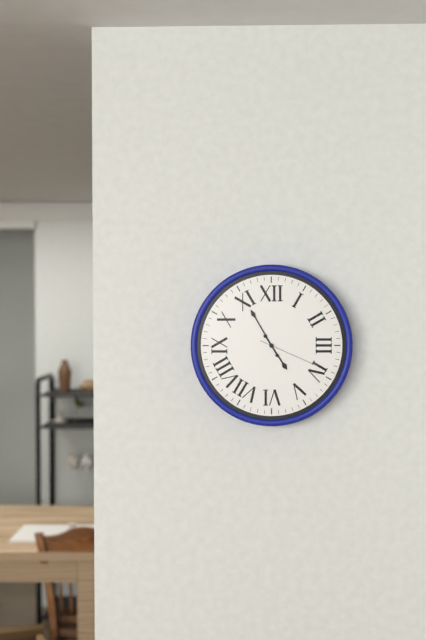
4:55:19
